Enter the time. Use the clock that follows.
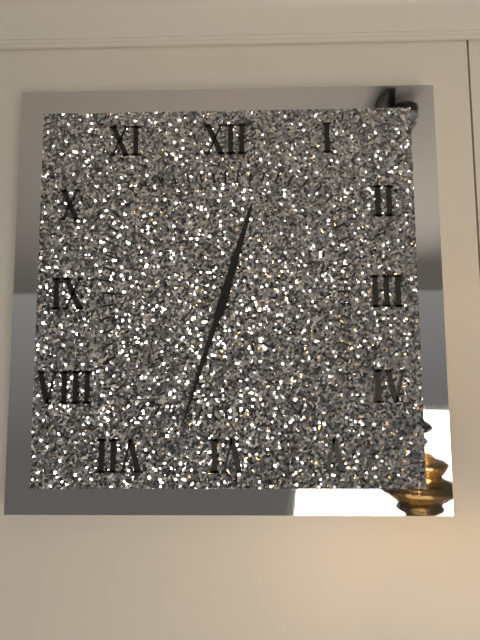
12:33
